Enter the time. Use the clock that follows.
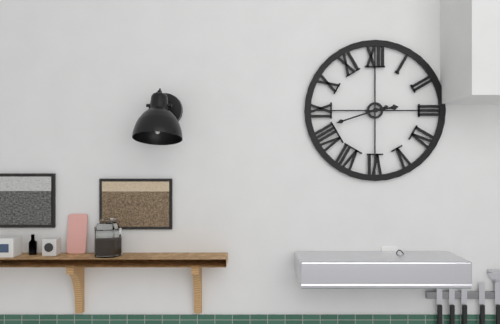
2:42
